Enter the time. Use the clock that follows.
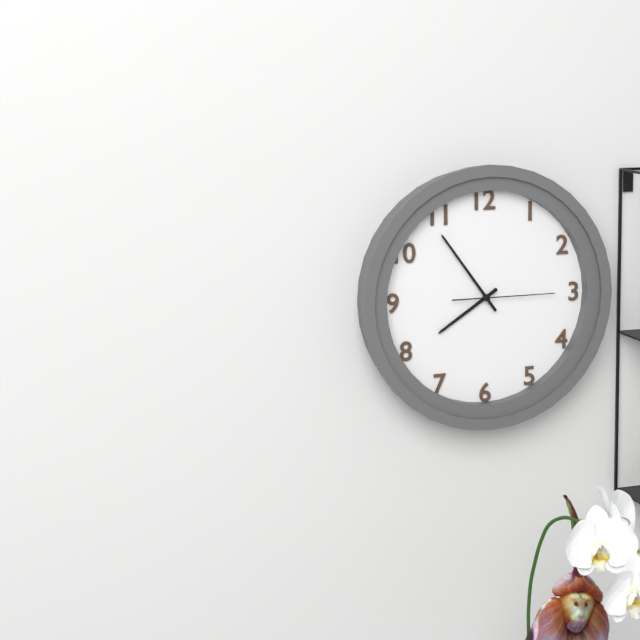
7:54:15
